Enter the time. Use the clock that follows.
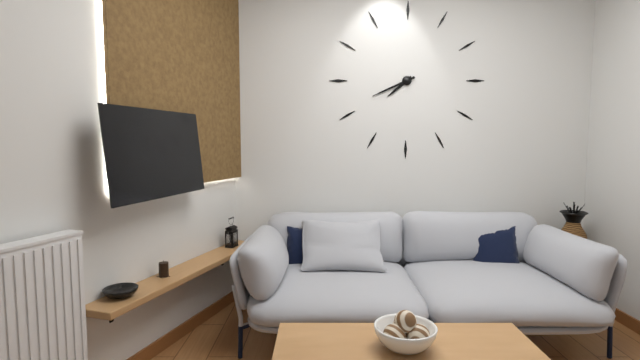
7:41
